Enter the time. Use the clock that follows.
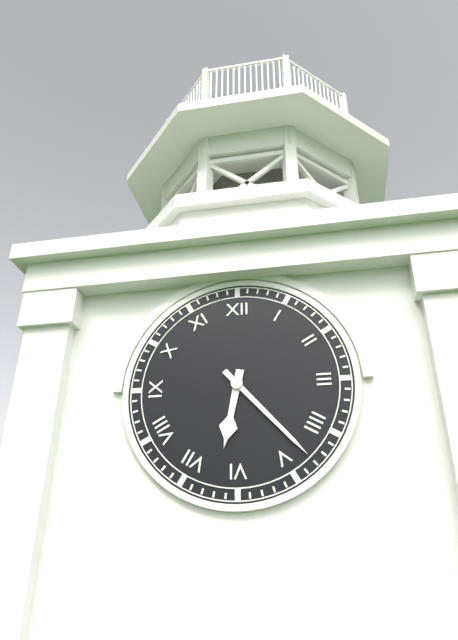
6:23
